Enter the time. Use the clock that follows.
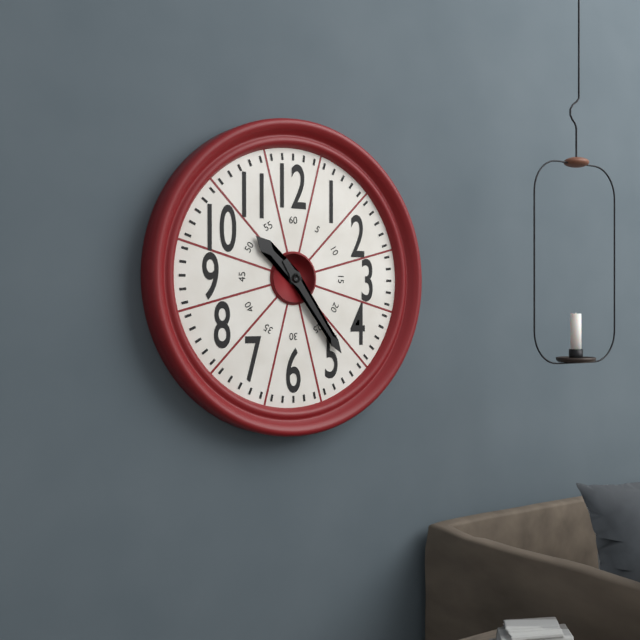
10:24
